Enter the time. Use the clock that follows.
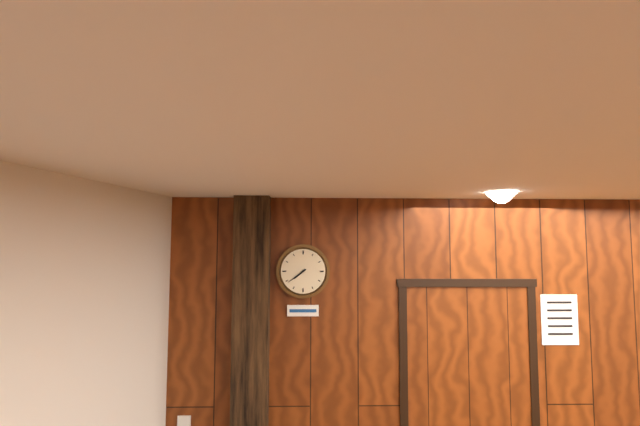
7:39
